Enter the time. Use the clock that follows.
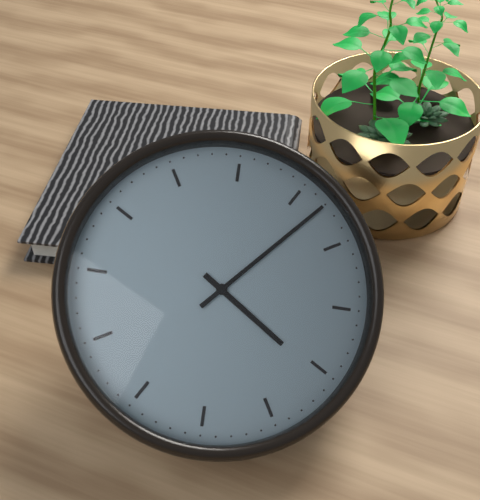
4:07
